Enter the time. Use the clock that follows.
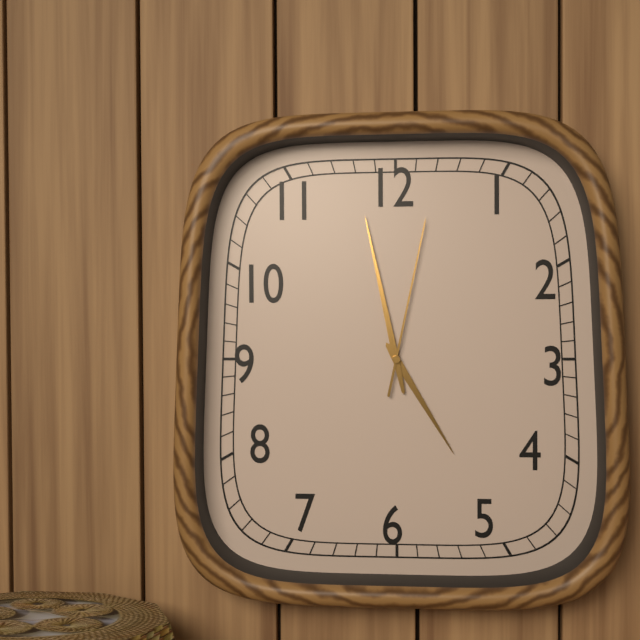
4:58:02
